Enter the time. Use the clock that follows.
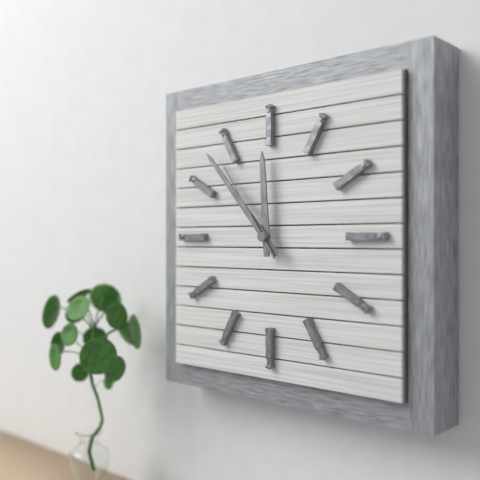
11:53:54
